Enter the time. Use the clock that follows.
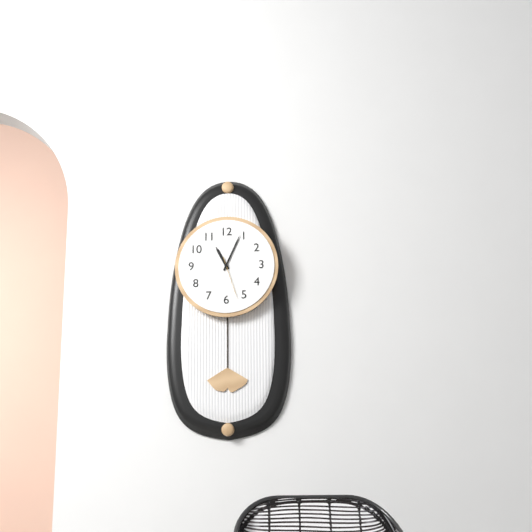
11:04
